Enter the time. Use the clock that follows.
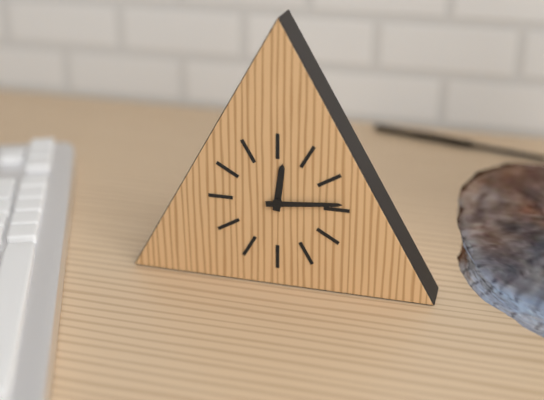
12:14
